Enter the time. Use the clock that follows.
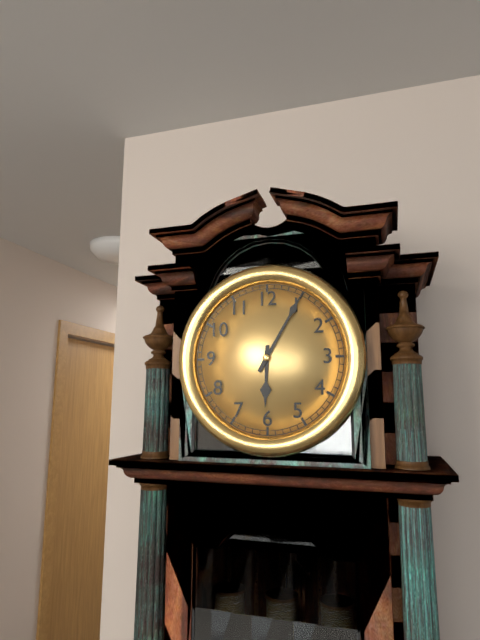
6:05
